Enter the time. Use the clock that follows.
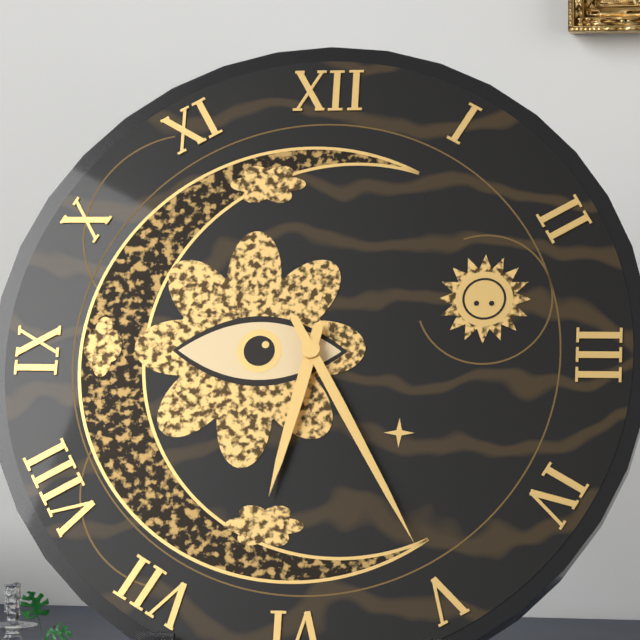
6:25
